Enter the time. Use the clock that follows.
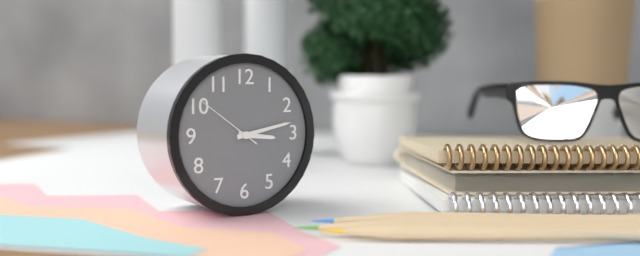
3:13:51
